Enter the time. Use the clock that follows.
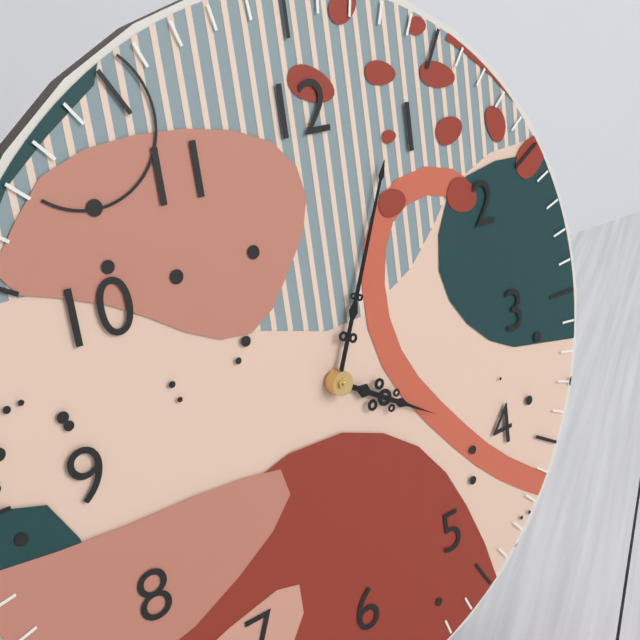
4:04
